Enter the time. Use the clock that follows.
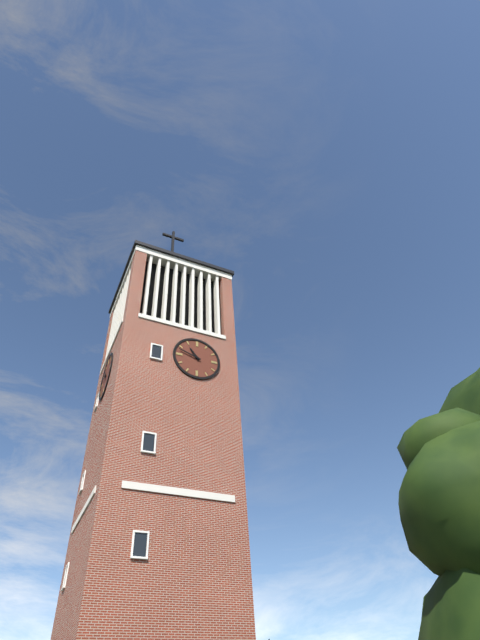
10:48
